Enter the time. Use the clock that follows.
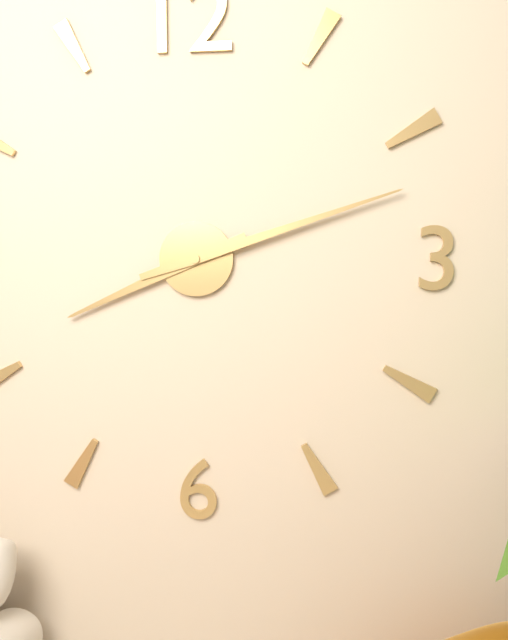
8:12
